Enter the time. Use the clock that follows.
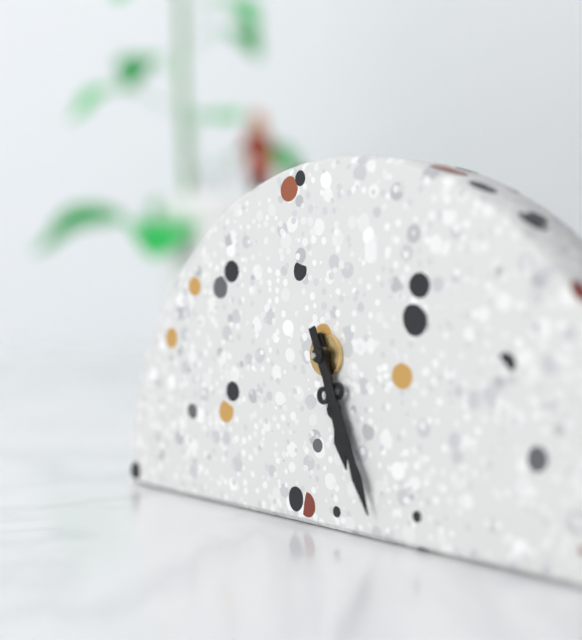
5:26
